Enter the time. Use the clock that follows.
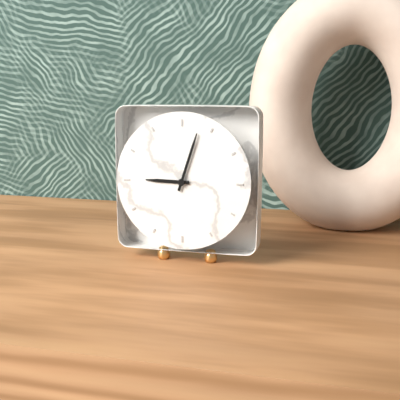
9:03
